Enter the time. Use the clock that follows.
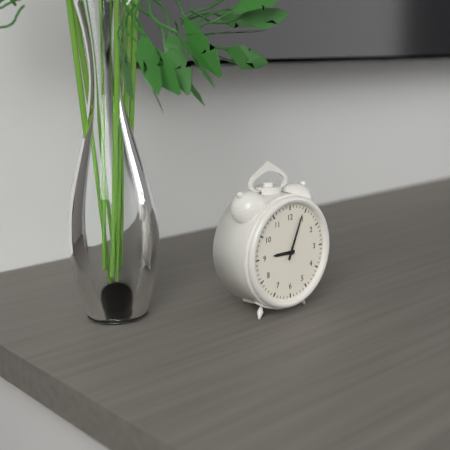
9:04
